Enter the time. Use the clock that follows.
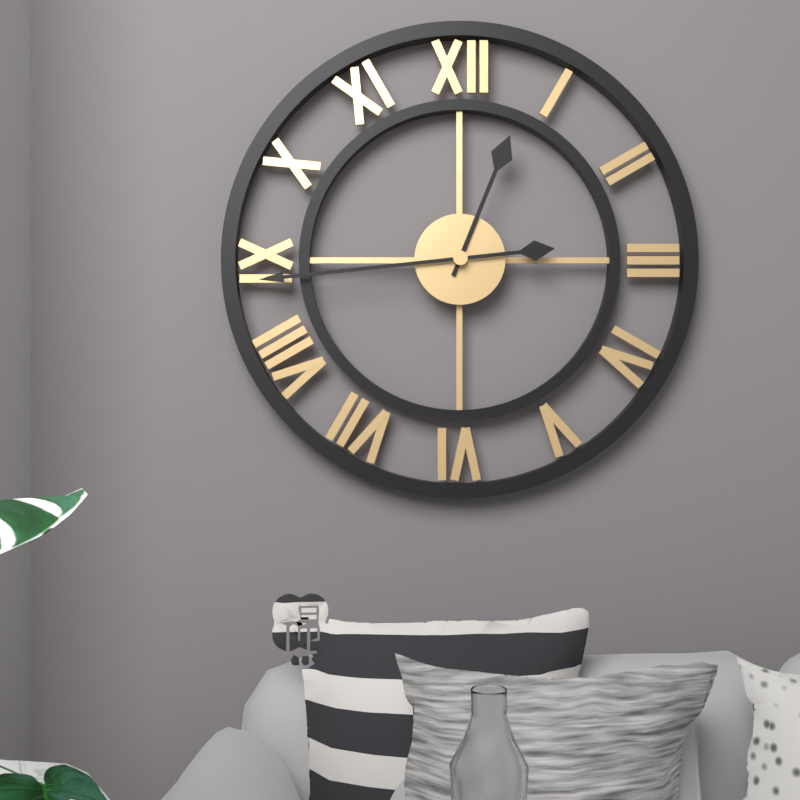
12:44
